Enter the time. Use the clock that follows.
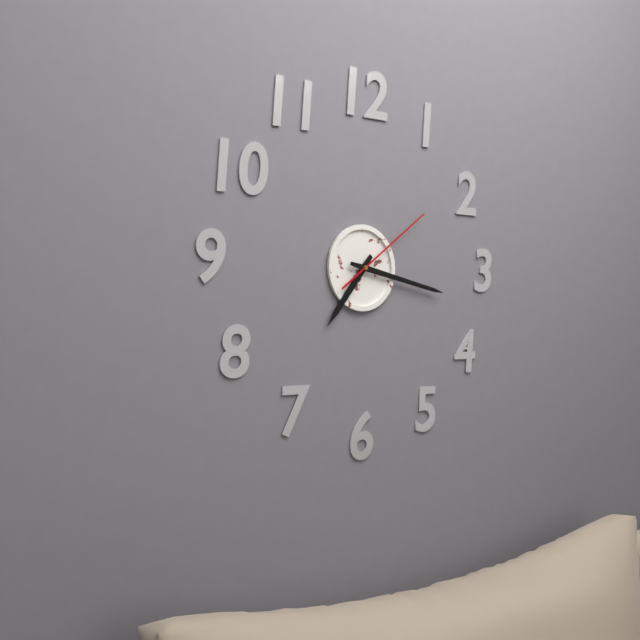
7:17:09
